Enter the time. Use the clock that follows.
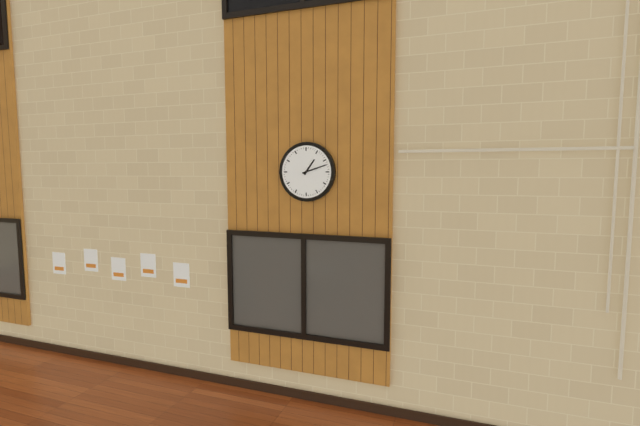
1:12
